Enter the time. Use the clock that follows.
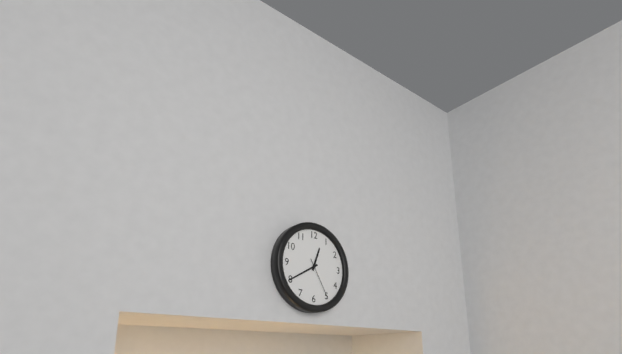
12:40
